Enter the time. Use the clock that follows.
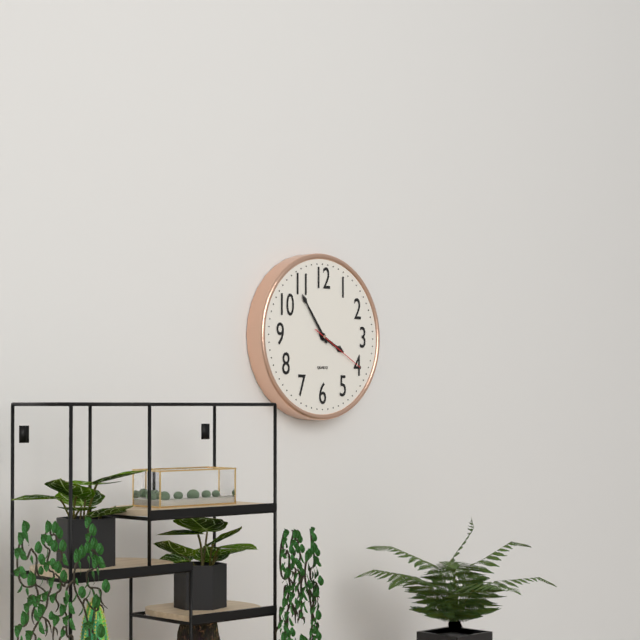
3:54:20
